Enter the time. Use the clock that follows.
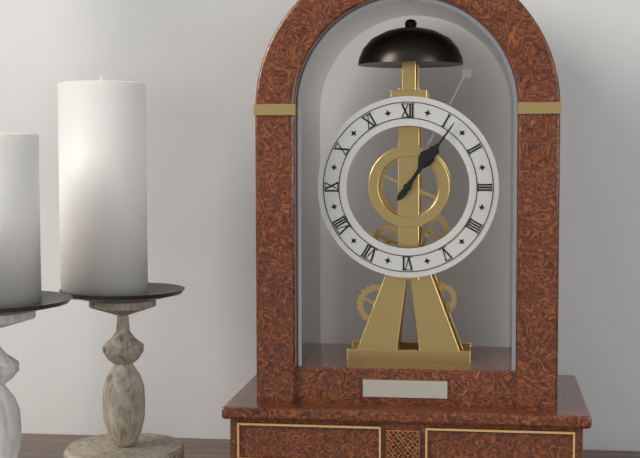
1:06
